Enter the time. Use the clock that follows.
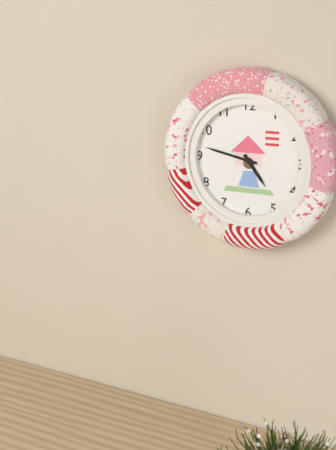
4:47
